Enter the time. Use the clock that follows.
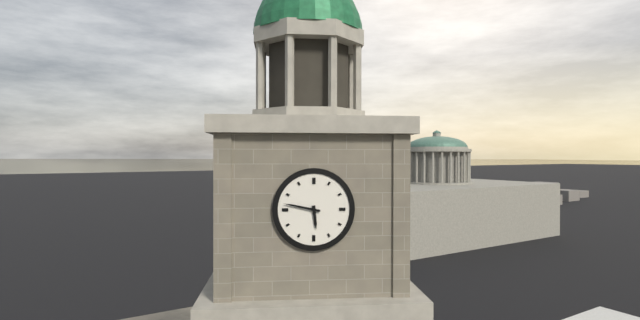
5:47
